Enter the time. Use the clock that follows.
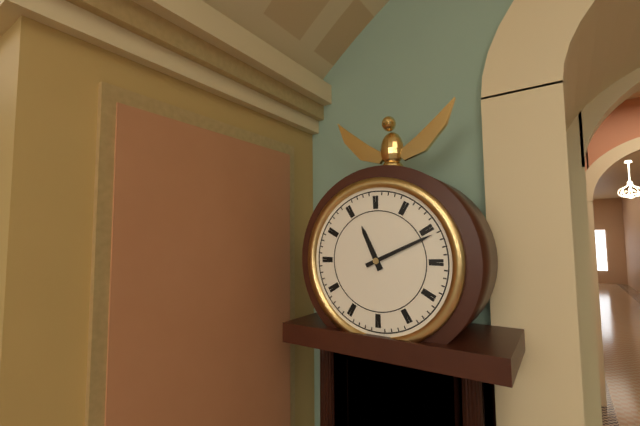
11:11
